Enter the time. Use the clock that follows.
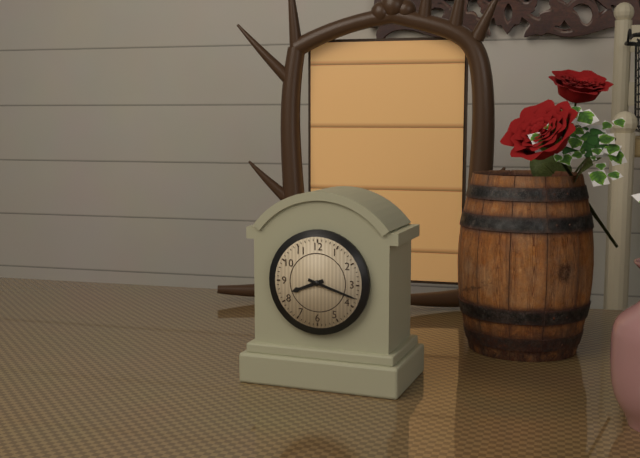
8:18
